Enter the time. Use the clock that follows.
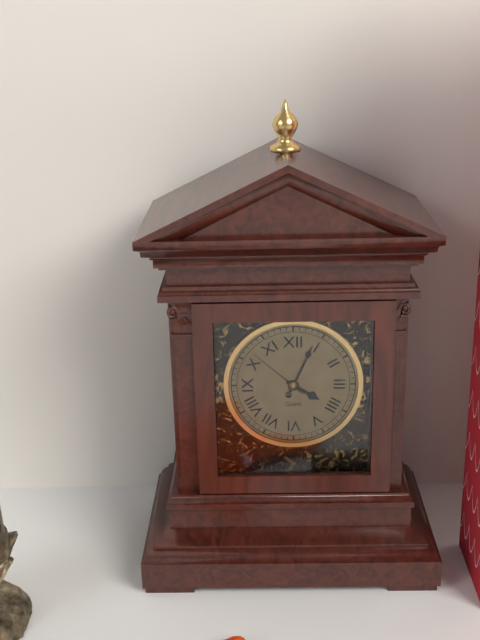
4:04:52
